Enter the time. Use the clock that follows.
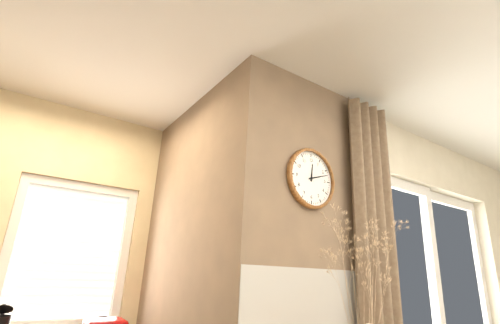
12:12
